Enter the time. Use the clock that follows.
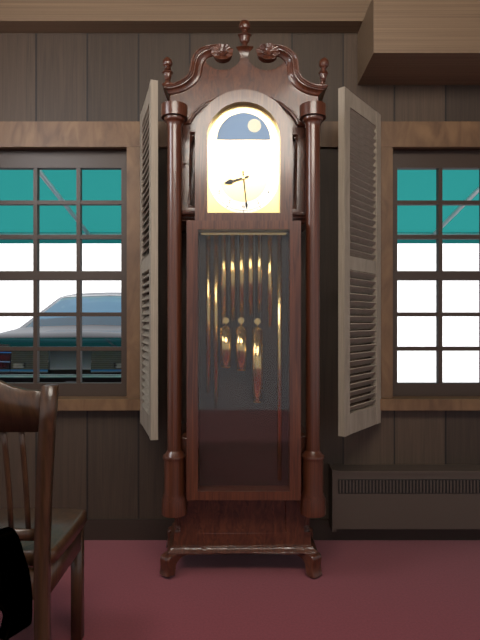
8:29
